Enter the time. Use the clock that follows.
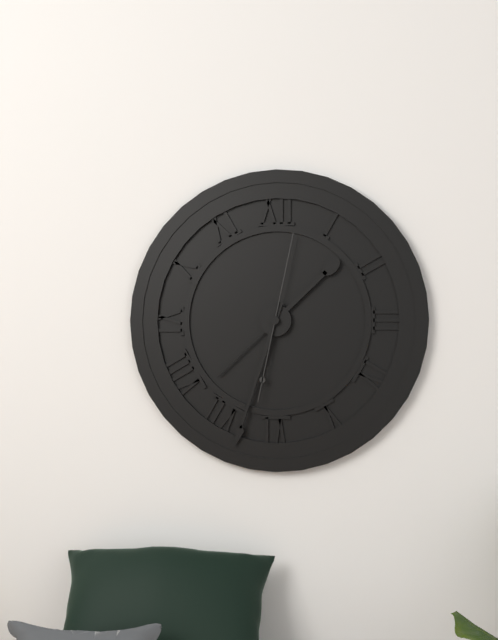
1:33:02
